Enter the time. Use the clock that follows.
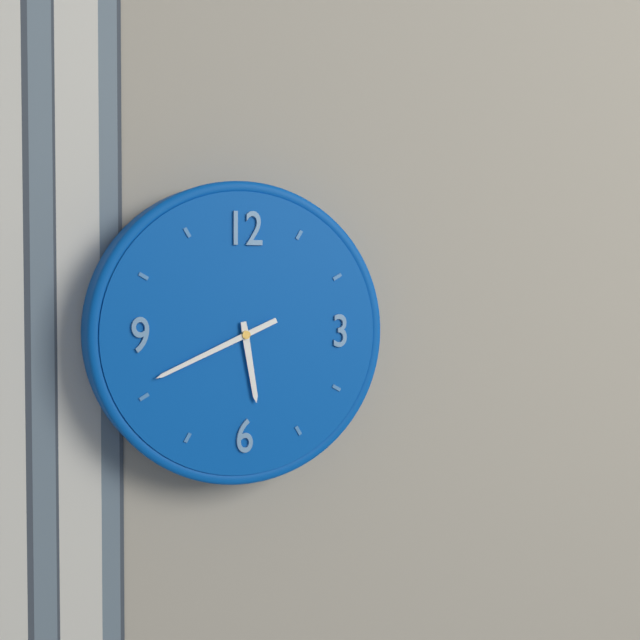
5:41
